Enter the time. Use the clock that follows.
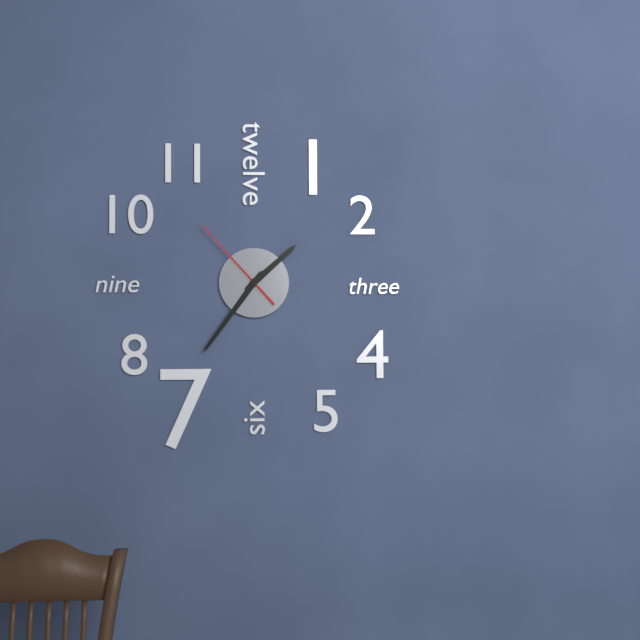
1:36:53
